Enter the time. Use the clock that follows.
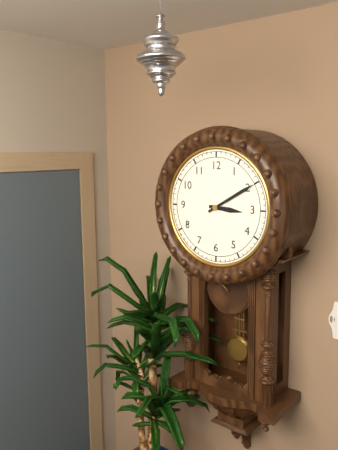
3:10
